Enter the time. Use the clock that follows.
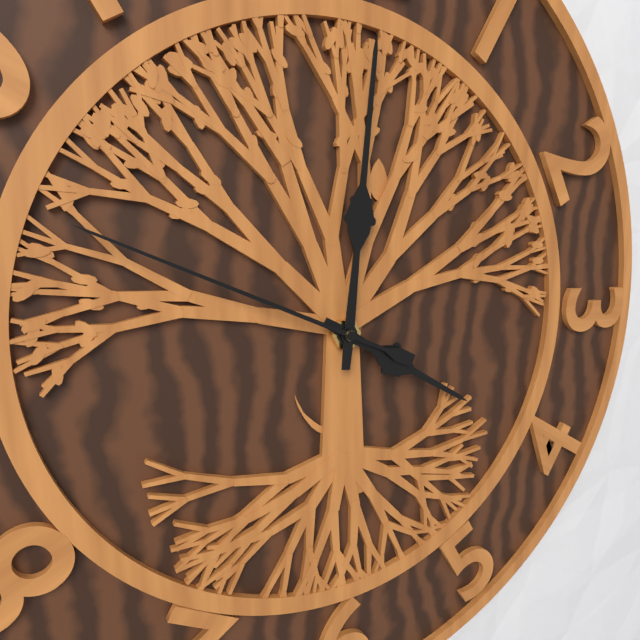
4:01:49
